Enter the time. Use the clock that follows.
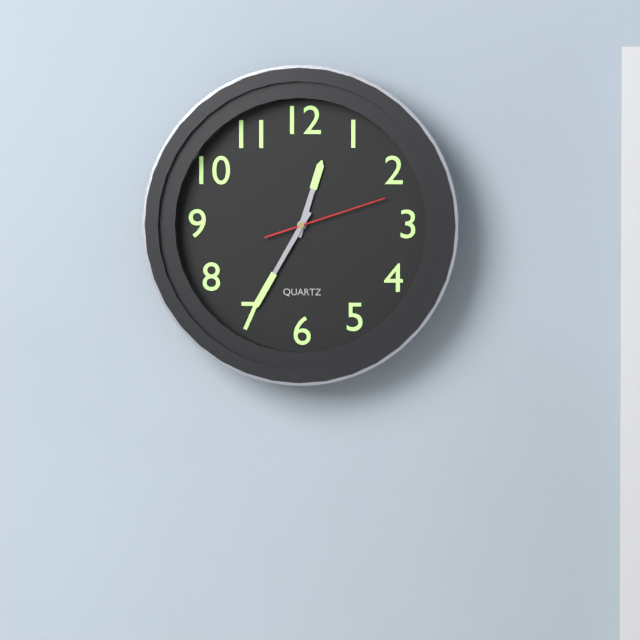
12:35:12
